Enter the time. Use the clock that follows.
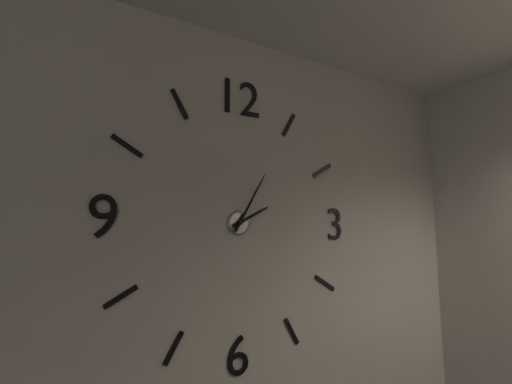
2:05
